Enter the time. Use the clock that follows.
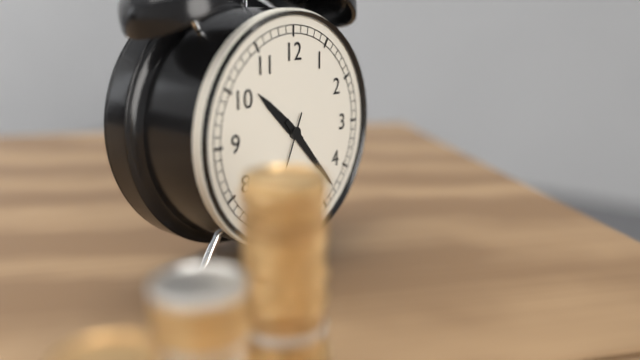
10:23
